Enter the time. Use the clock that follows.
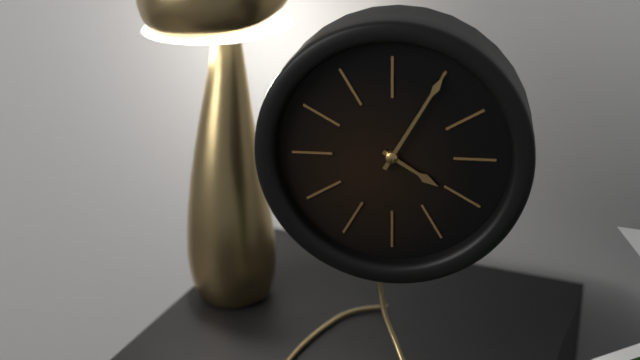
4:05
